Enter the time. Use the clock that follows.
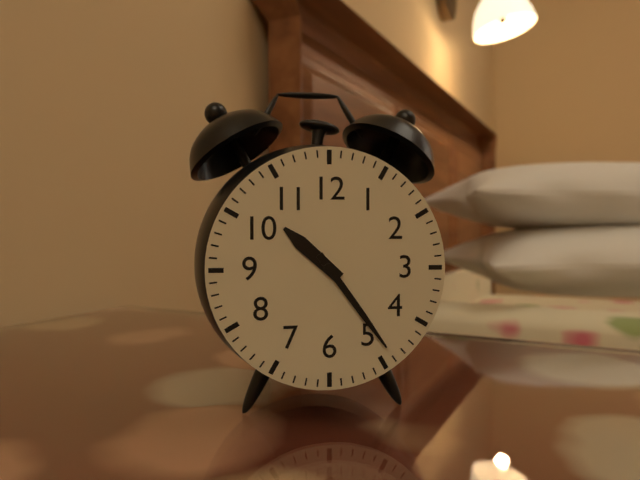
10:24
